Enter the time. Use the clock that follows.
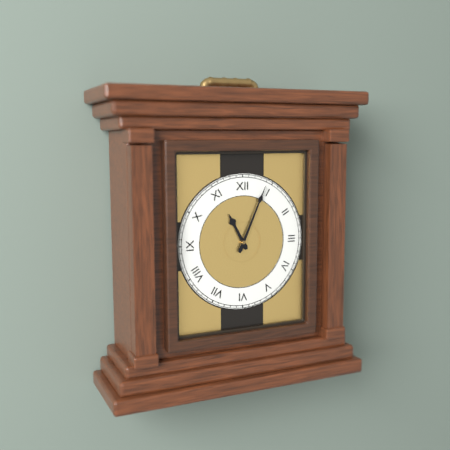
11:04
